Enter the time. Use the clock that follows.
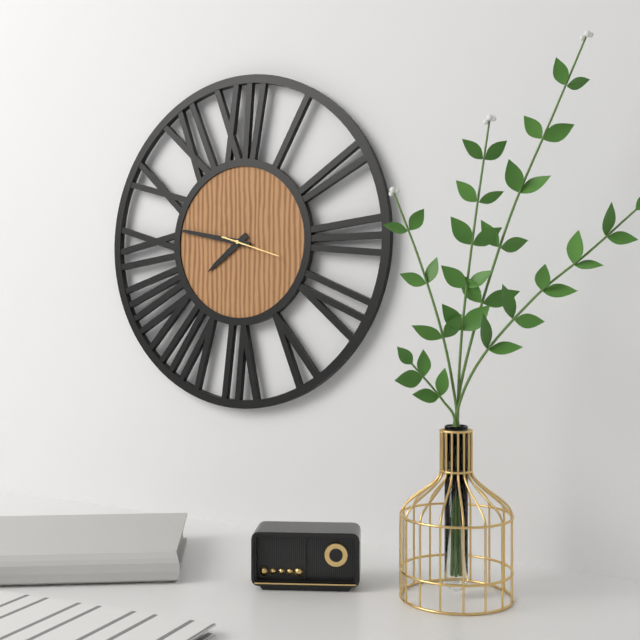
7:47
